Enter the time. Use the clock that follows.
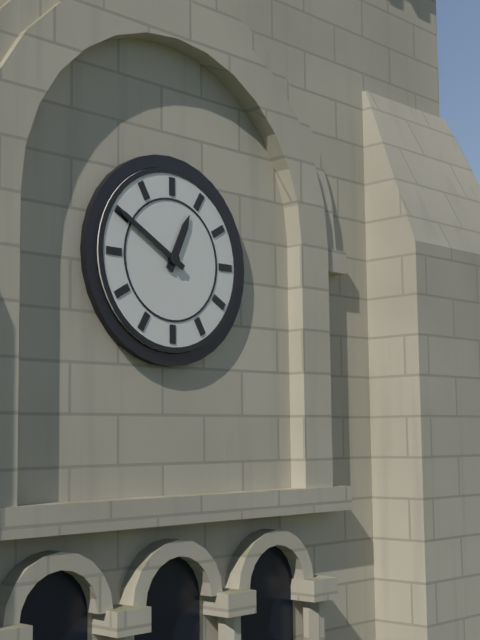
12:50
